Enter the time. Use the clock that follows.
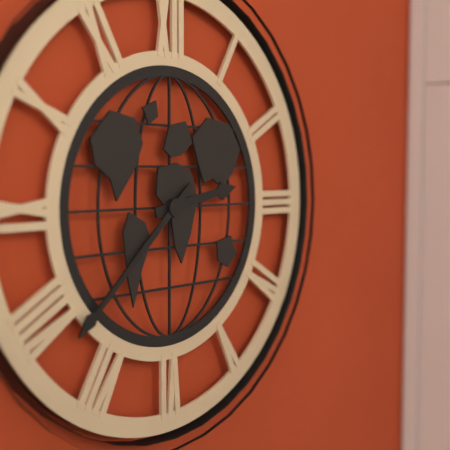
2:38
